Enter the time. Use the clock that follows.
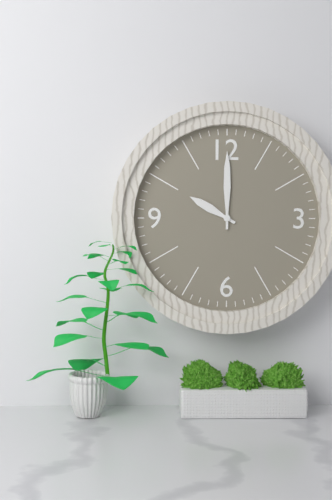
10:00
